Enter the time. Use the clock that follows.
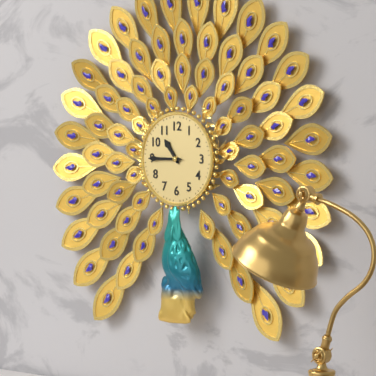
10:45
